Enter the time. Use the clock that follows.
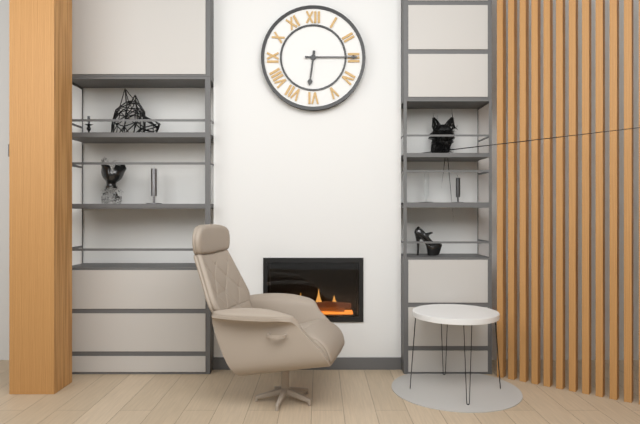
6:15
